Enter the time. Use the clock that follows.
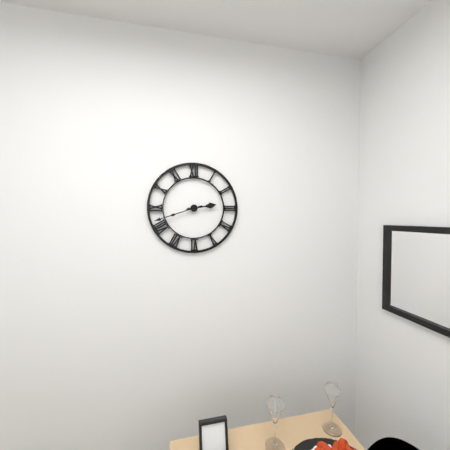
2:42
